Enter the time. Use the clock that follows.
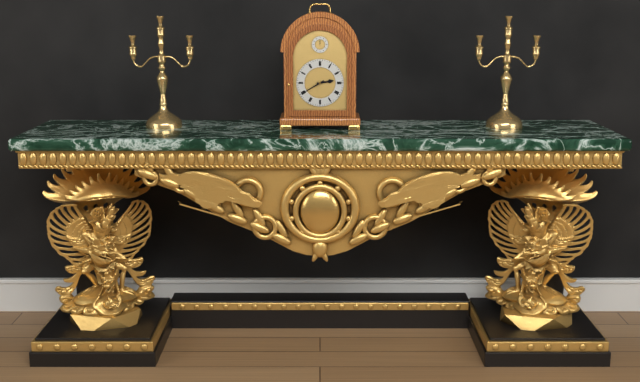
2:40
